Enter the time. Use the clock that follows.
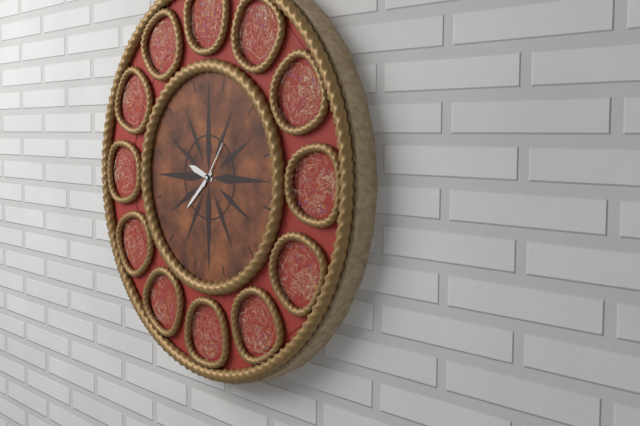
9:38
